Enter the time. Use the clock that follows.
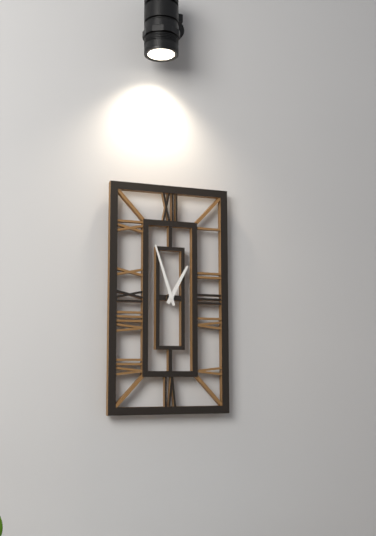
12:57
